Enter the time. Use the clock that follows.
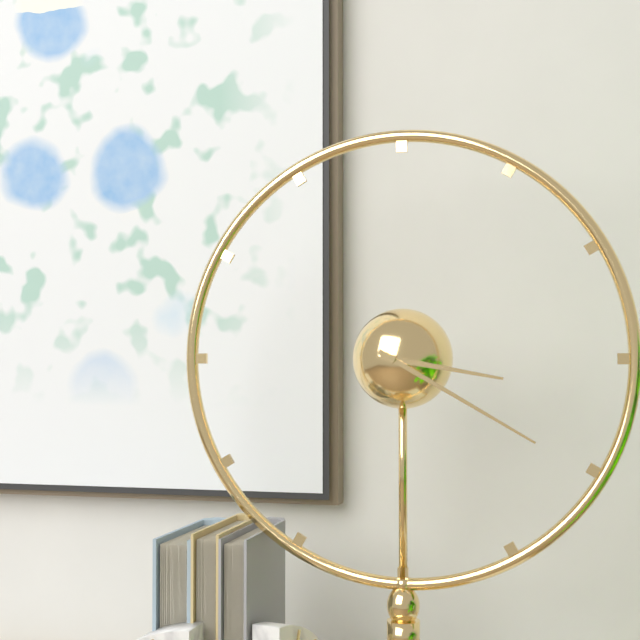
3:20
